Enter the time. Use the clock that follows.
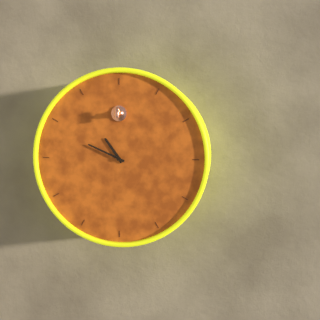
10:49
